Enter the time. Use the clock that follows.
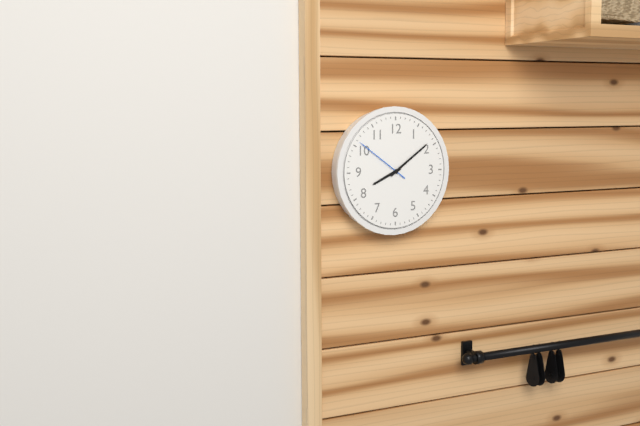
8:09:51
